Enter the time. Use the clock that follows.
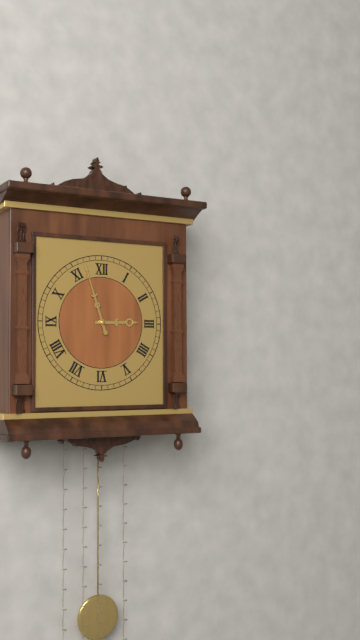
2:57
